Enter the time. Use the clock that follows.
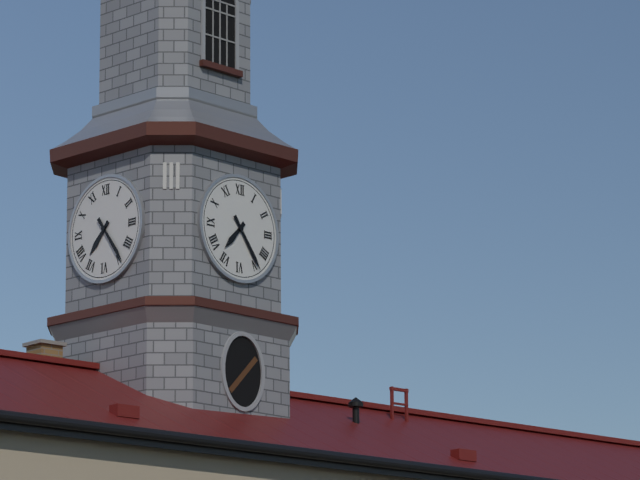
7:24
